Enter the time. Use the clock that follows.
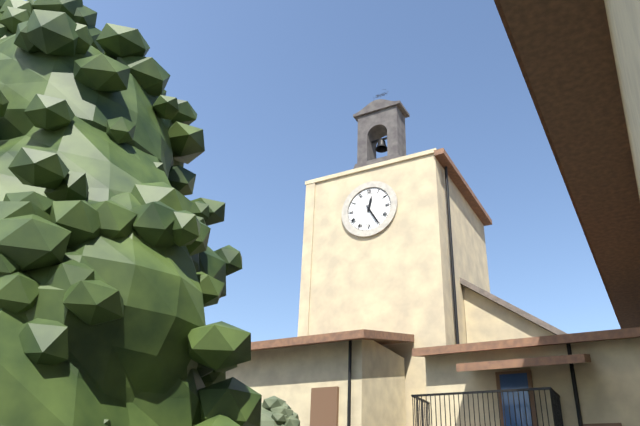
12:25
